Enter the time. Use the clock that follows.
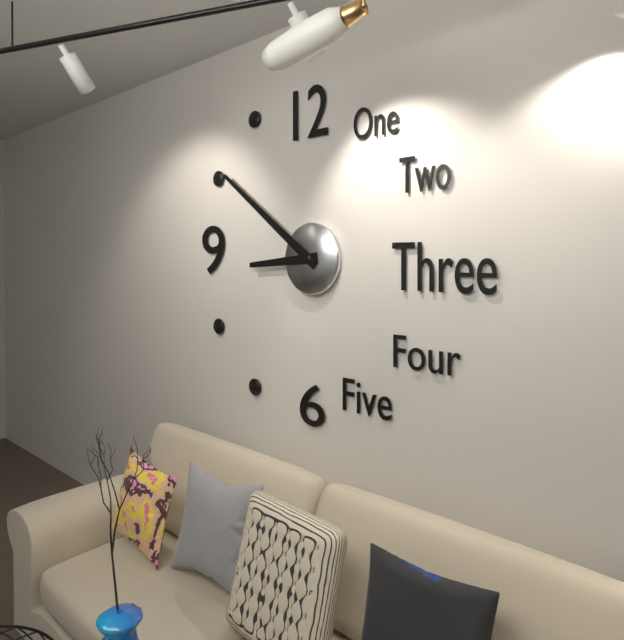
8:51
